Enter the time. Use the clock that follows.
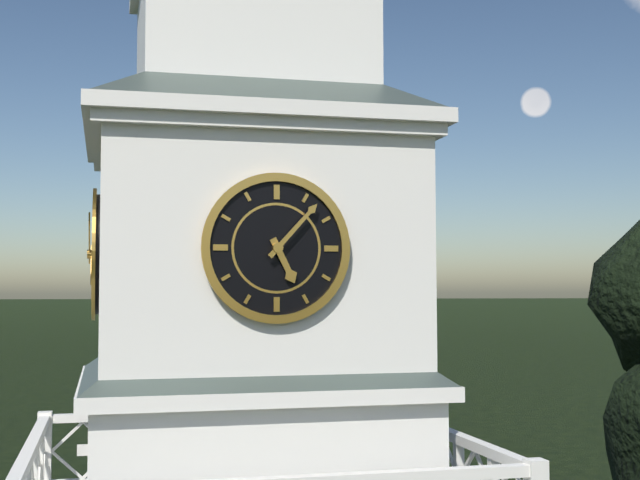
5:07
